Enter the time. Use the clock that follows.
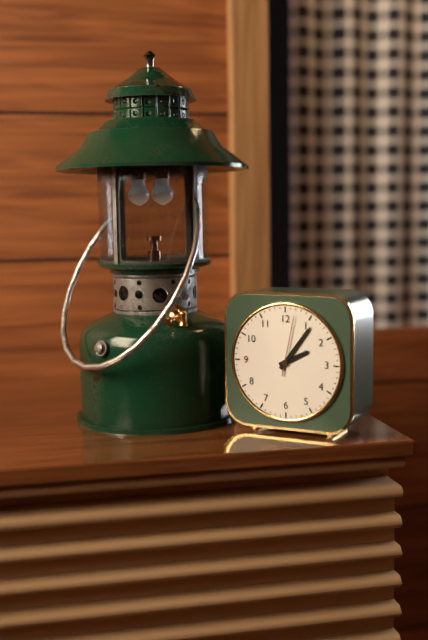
2:06:02
